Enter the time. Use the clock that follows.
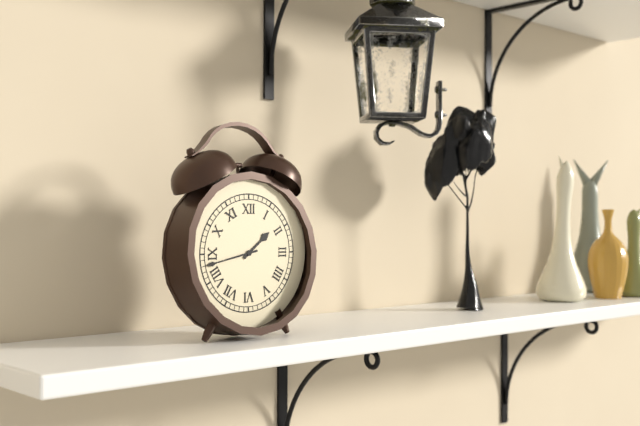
1:43
